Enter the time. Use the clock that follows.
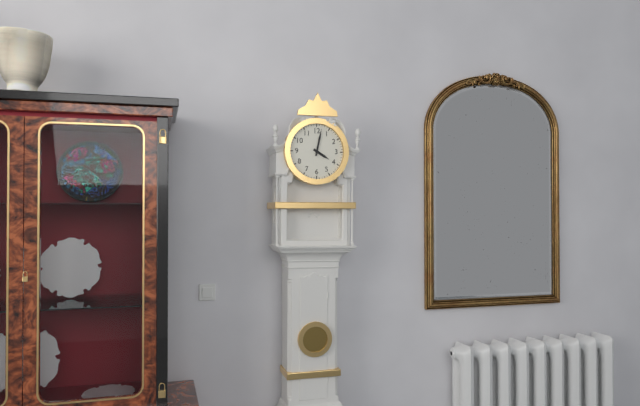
4:02
